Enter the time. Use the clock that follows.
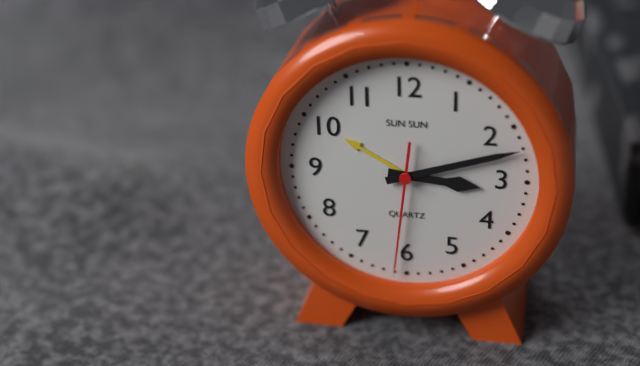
3:12:31
